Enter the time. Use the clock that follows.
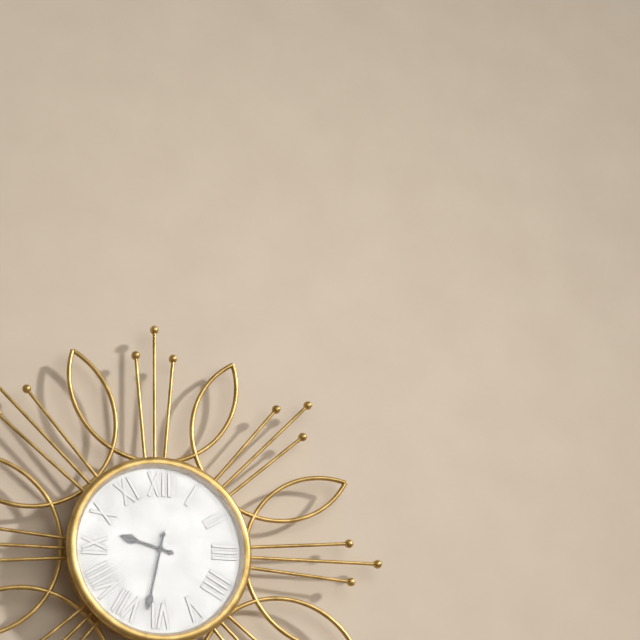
9:32
